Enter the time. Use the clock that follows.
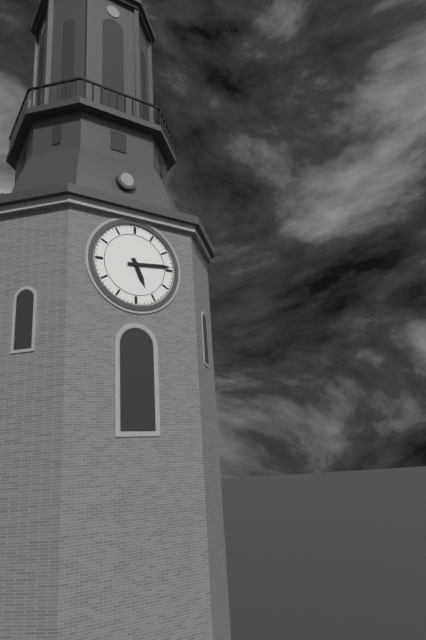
5:14
